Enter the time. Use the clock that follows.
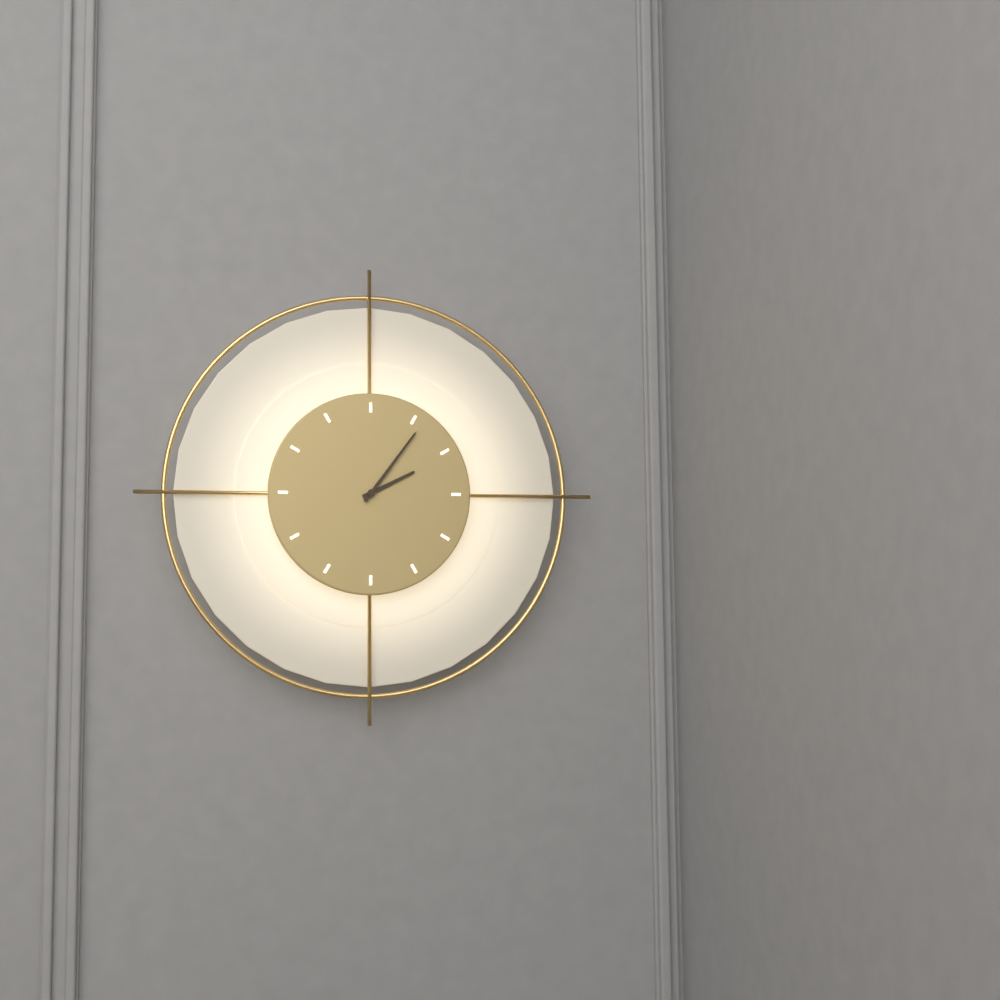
2:06
